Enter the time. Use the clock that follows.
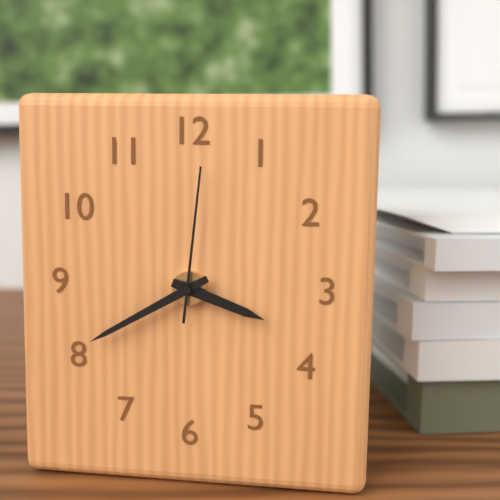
3:40:01
